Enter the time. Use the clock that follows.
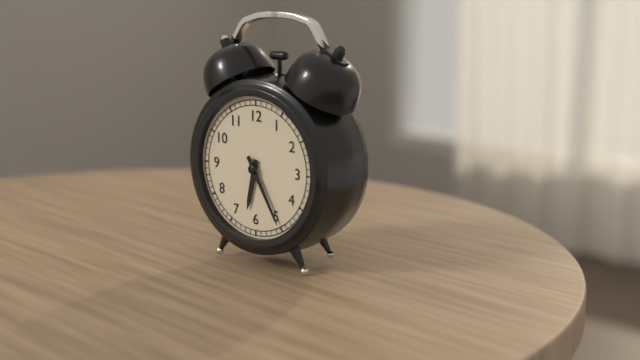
6:25
